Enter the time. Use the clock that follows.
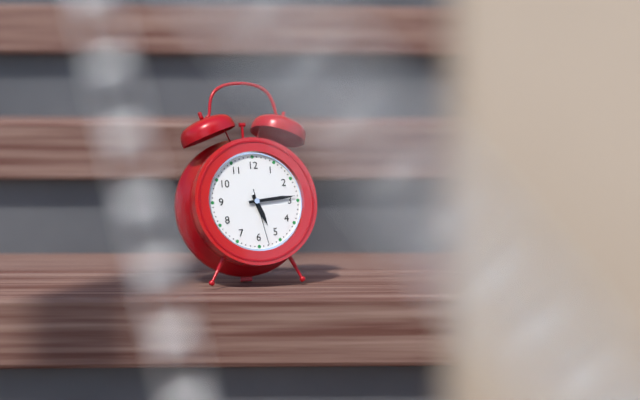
5:14:28
